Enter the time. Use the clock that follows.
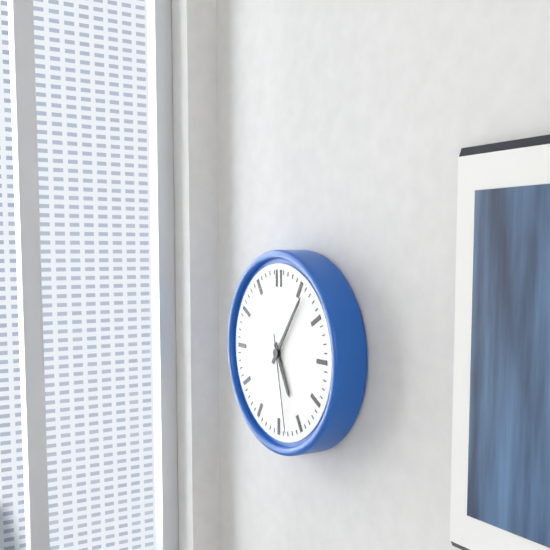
5:06:28
